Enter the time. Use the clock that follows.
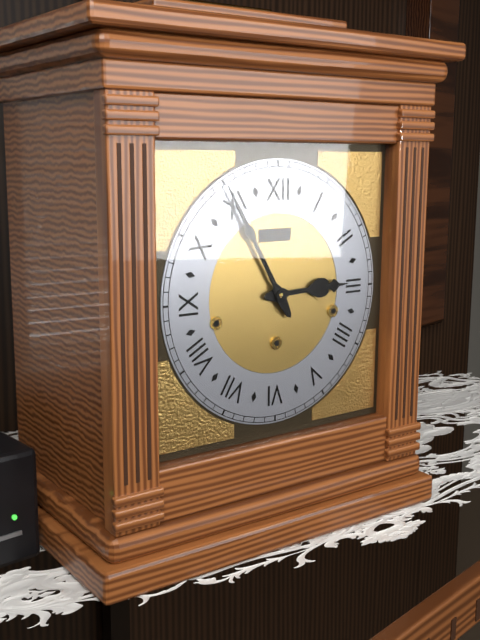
2:55
